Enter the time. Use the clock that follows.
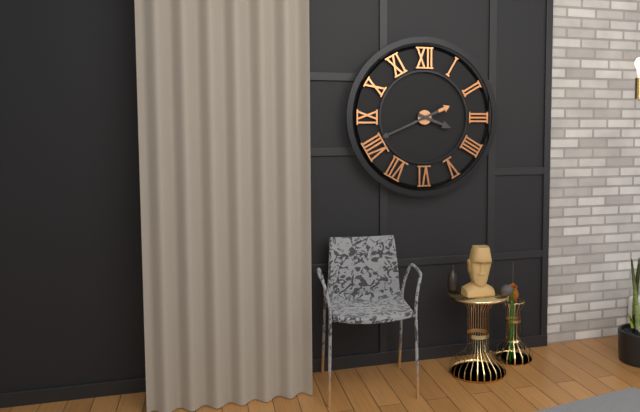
3:41
